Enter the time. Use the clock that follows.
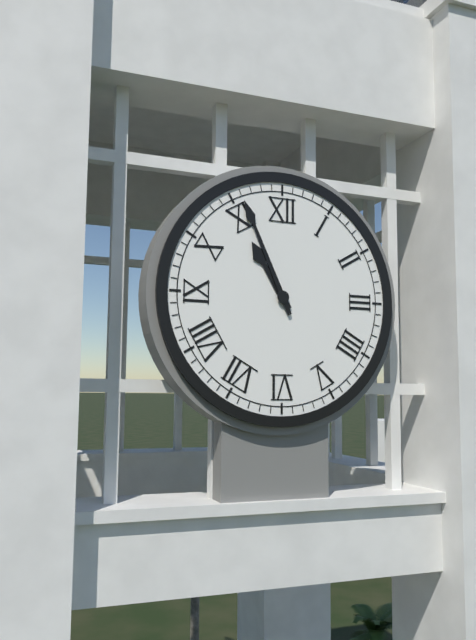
10:56
